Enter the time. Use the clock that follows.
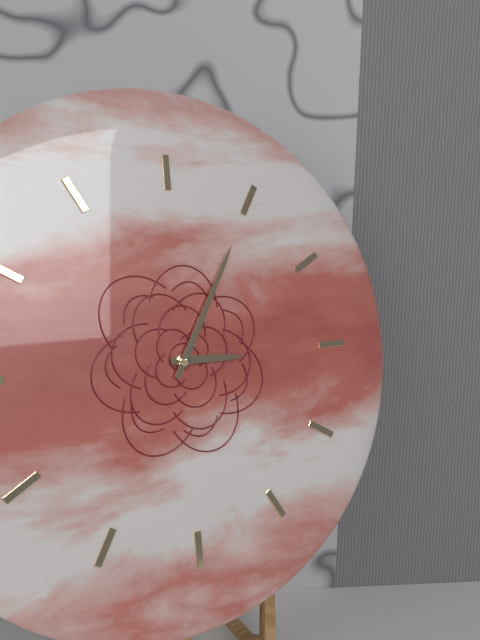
3:05
